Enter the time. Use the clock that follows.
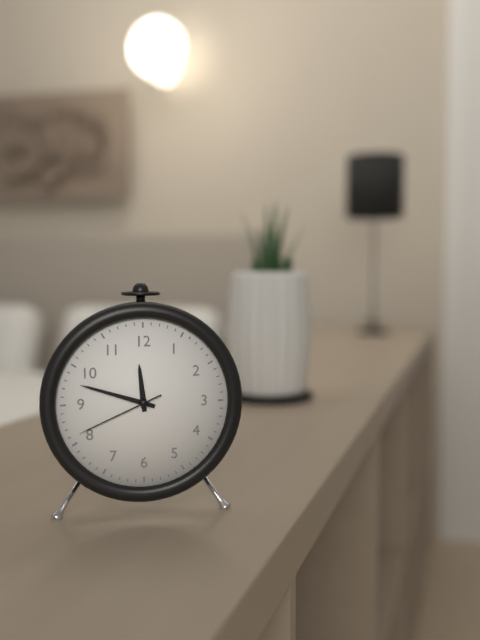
11:48:41
